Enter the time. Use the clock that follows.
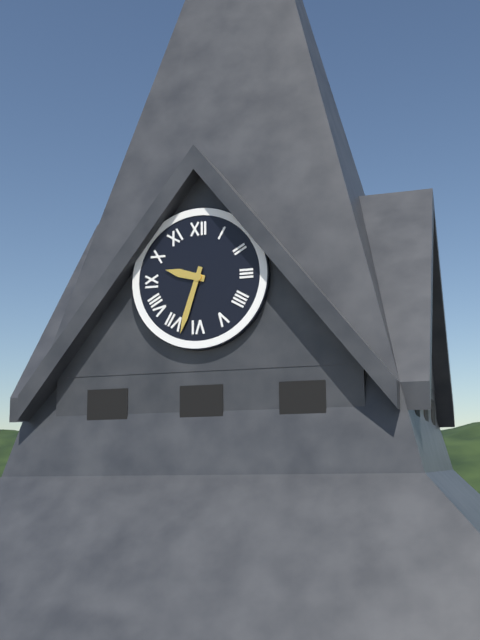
9:33
